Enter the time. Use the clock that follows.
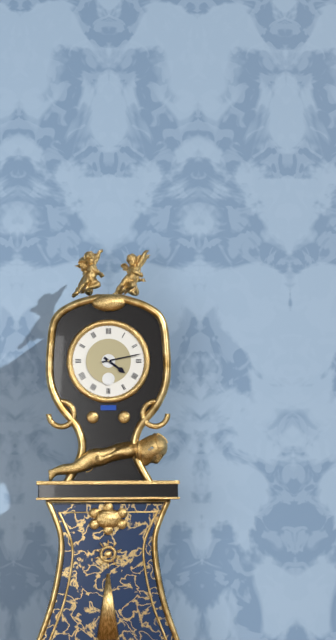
4:13
